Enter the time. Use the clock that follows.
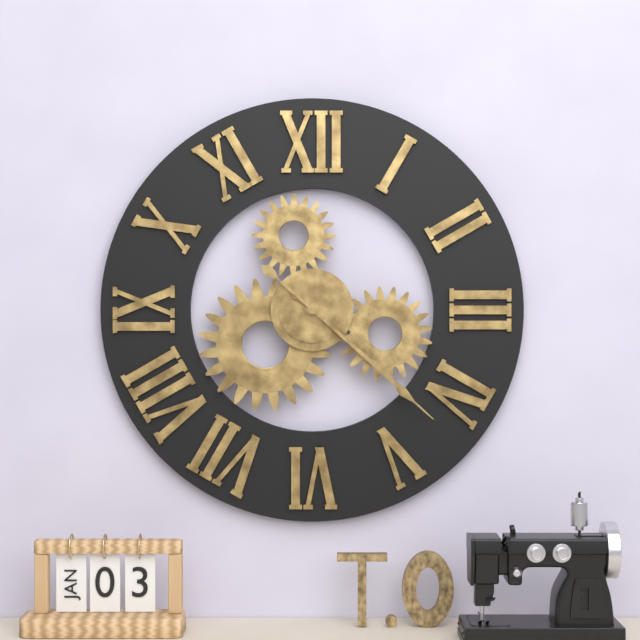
4:22
